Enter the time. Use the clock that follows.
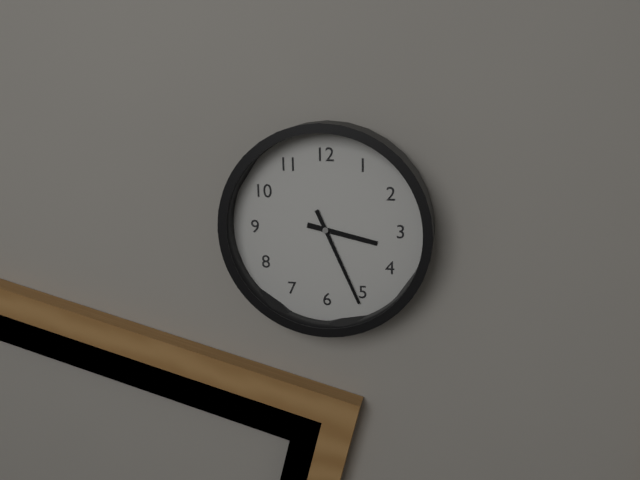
3:26
